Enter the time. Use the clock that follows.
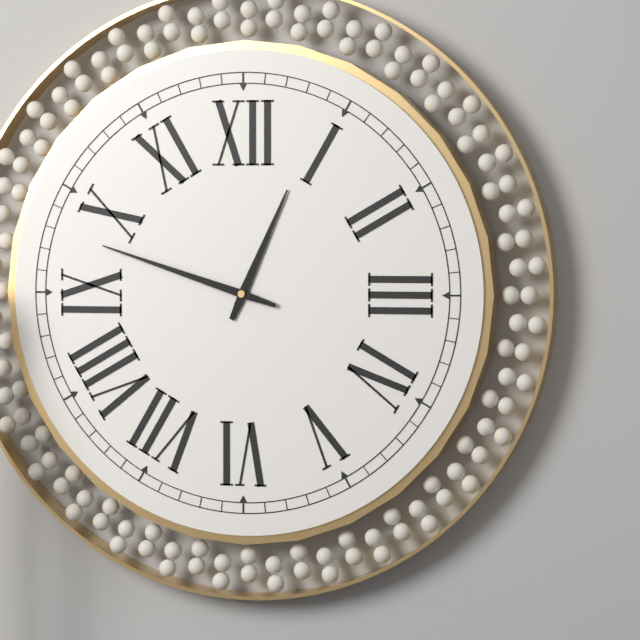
12:48
